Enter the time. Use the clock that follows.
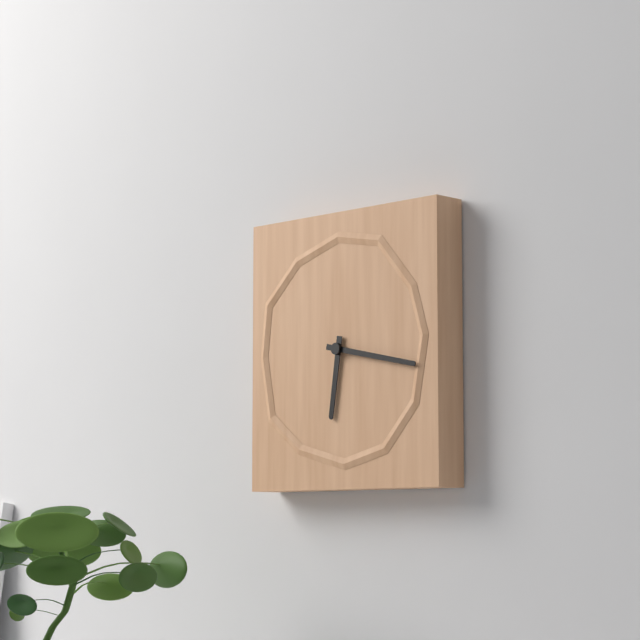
6:17
